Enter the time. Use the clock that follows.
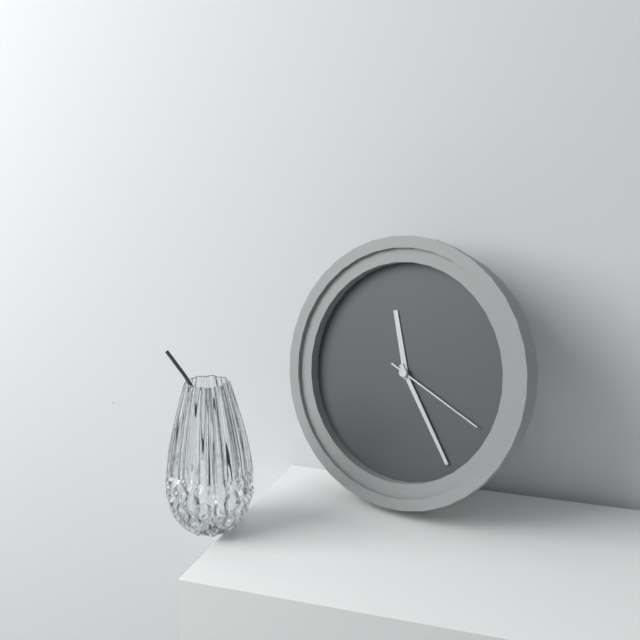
11:24:19
